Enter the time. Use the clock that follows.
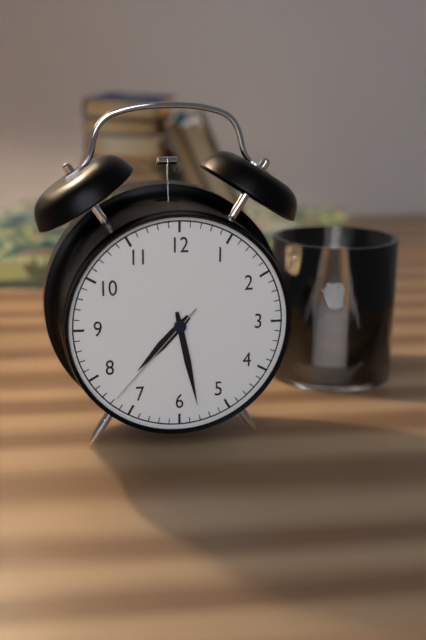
7:28:37
